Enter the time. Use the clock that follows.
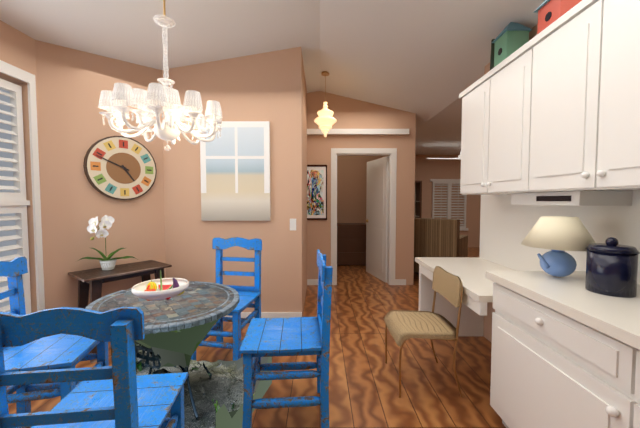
4:49
